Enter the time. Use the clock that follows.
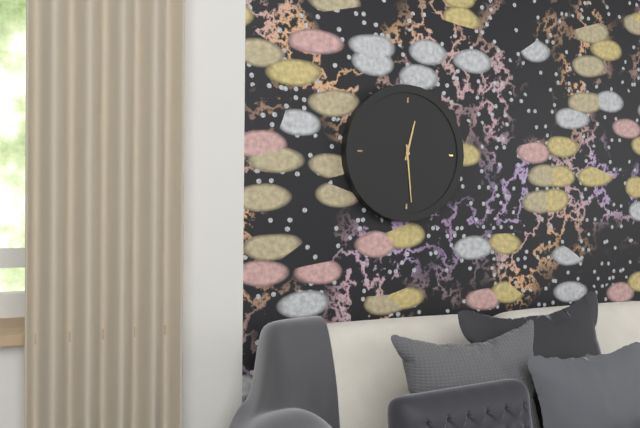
12:29
